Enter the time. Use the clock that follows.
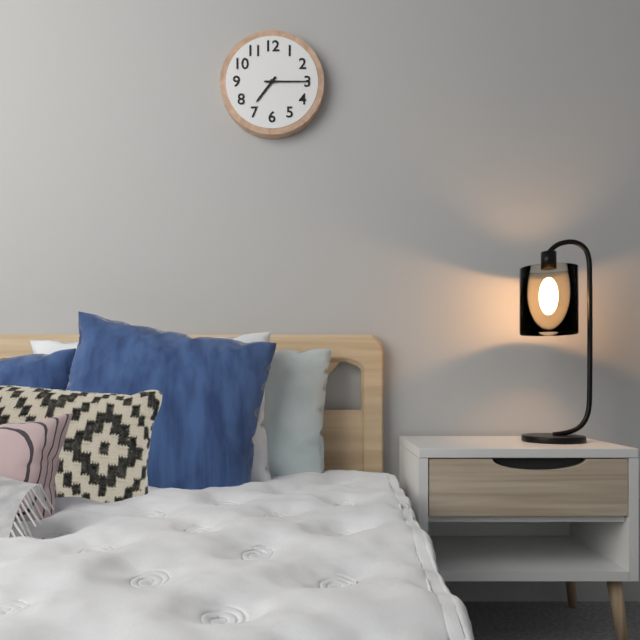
7:15
